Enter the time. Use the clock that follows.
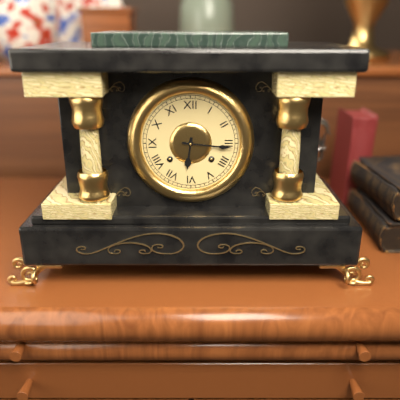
6:16
